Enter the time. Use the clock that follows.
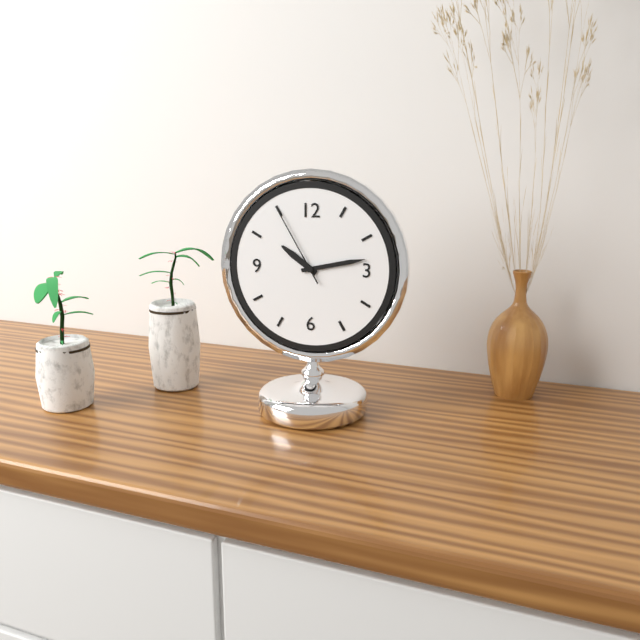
10:13:55
